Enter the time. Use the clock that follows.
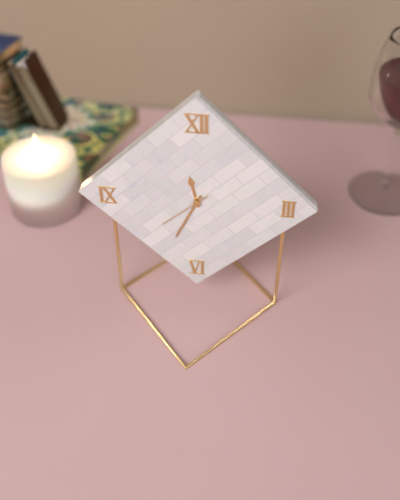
11:34:38
